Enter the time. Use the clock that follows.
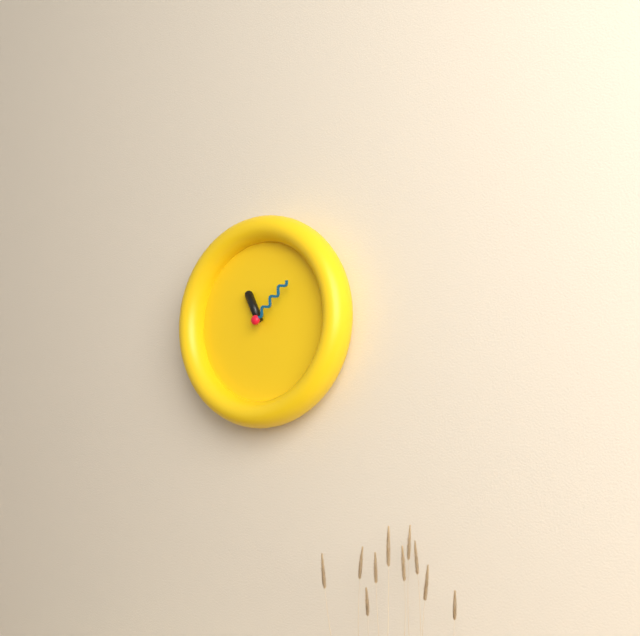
11:08
